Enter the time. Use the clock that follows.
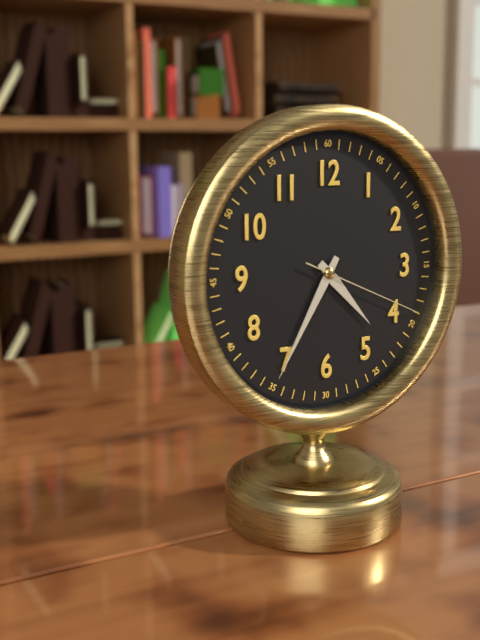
4:35:19
